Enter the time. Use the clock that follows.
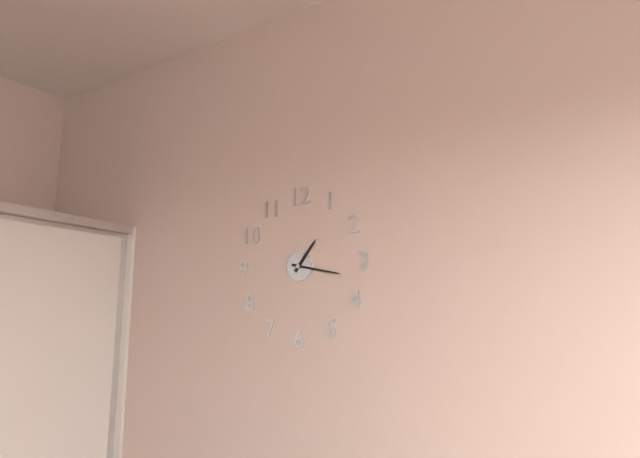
1:17
